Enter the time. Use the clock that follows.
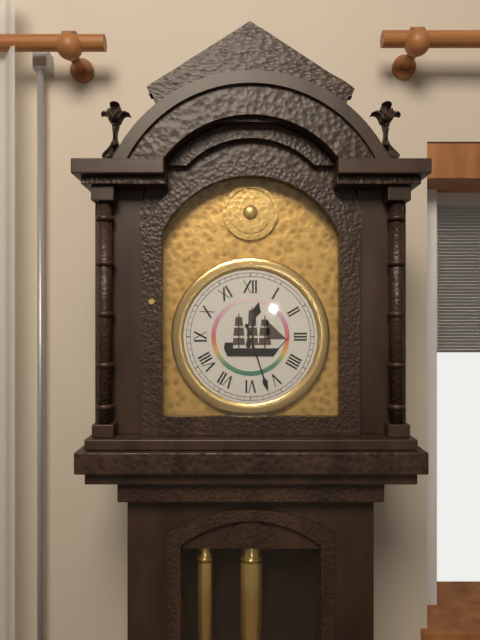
12:27
